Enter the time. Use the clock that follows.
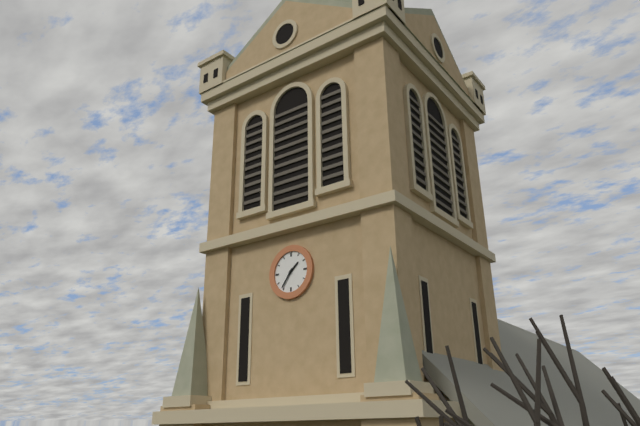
1:36
